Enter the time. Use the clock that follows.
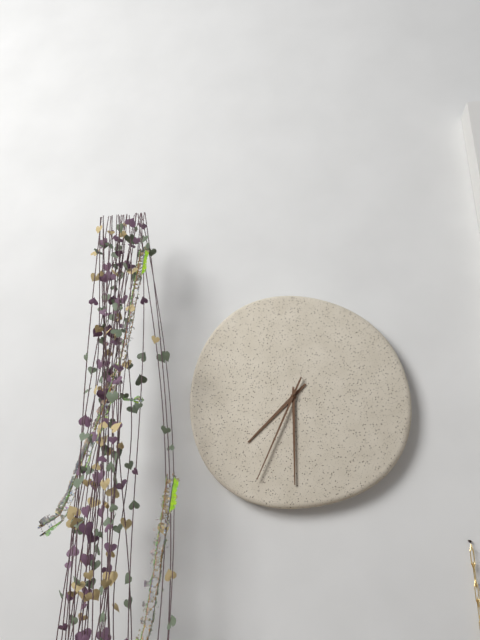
7:30:34
